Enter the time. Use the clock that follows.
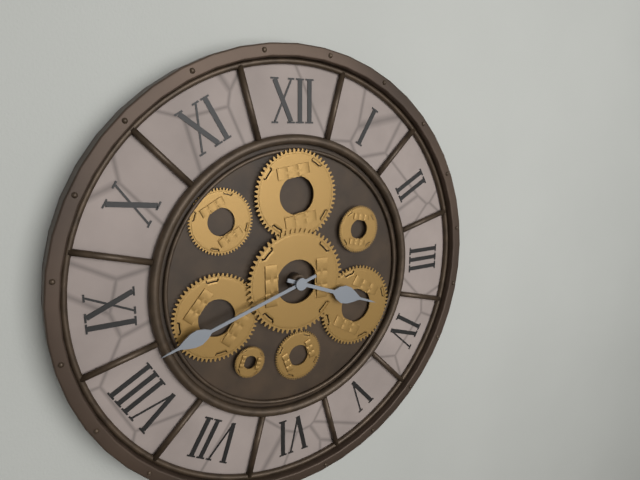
3:42
